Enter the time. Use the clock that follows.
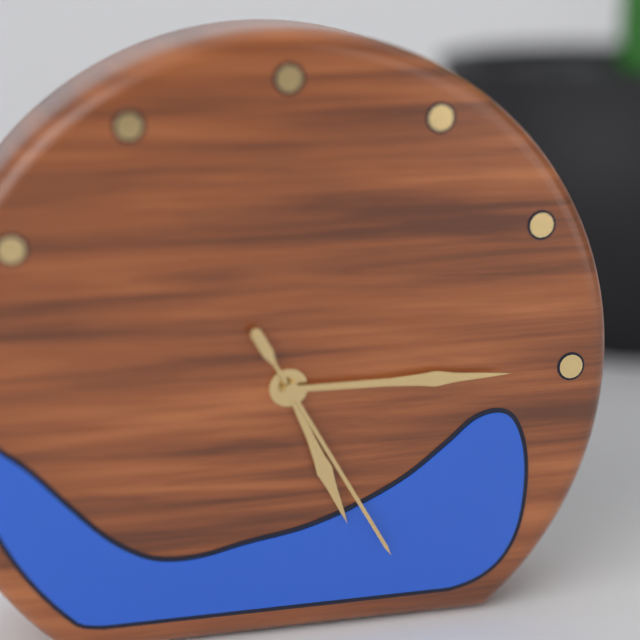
5:15:25
